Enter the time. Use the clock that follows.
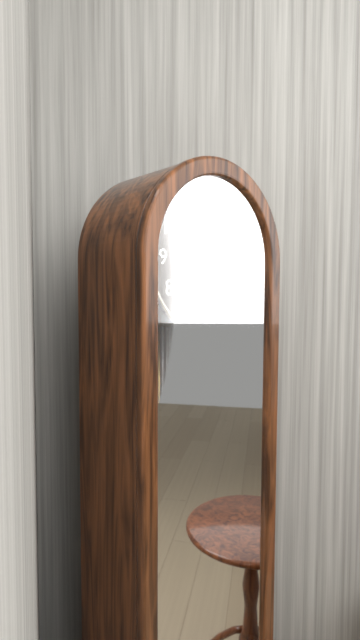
9:39
